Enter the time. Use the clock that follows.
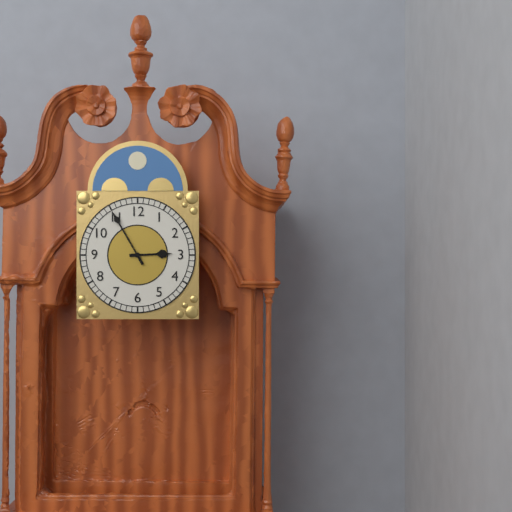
2:55
